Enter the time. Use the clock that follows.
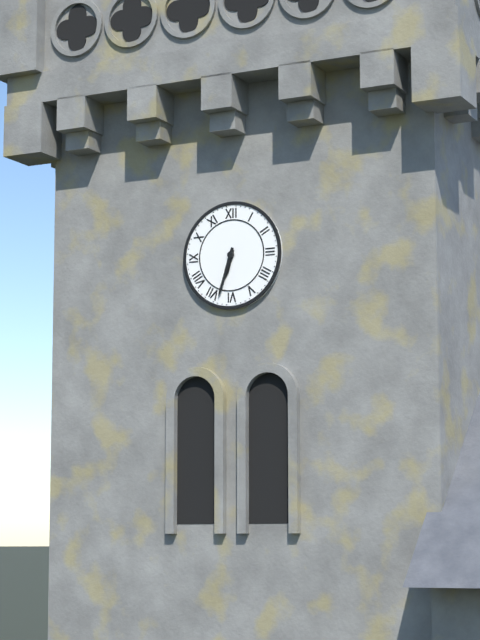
6:33
